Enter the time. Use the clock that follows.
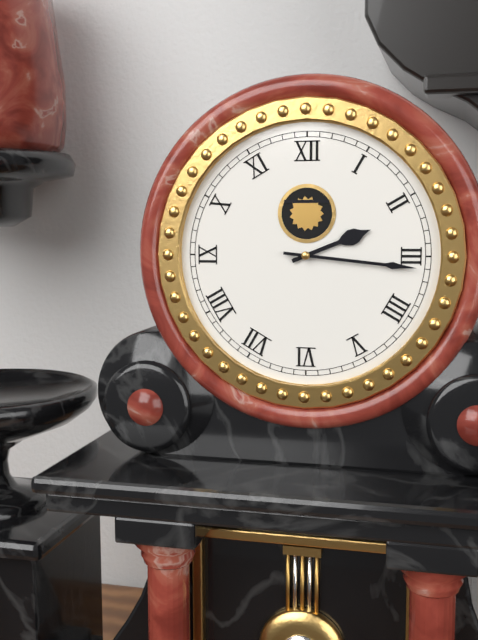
2:16
